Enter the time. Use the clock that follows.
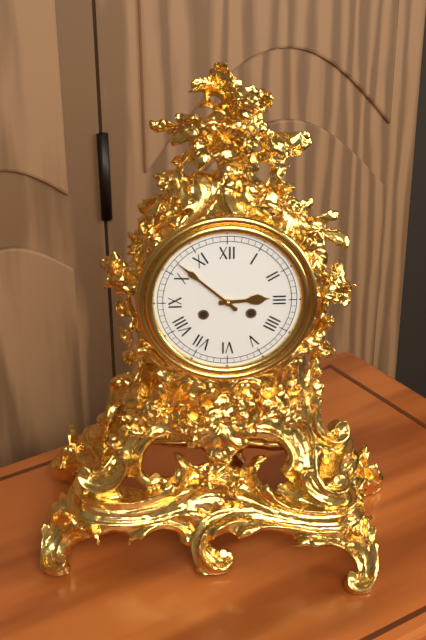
2:52
